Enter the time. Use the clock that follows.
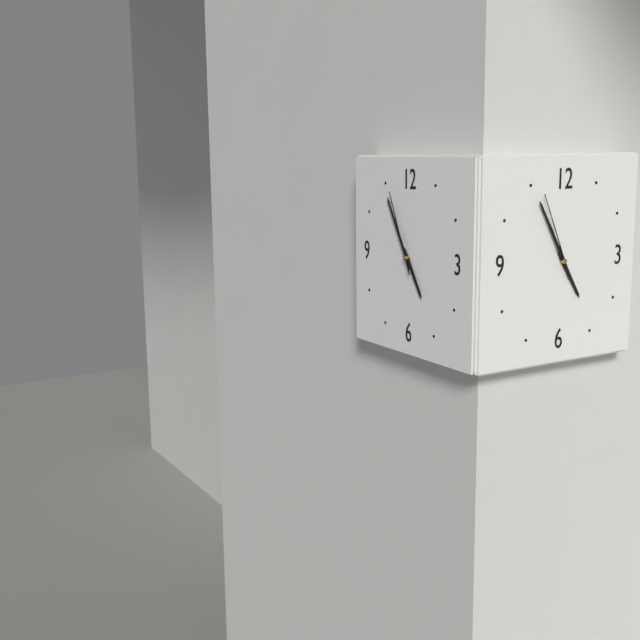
4:55:56
